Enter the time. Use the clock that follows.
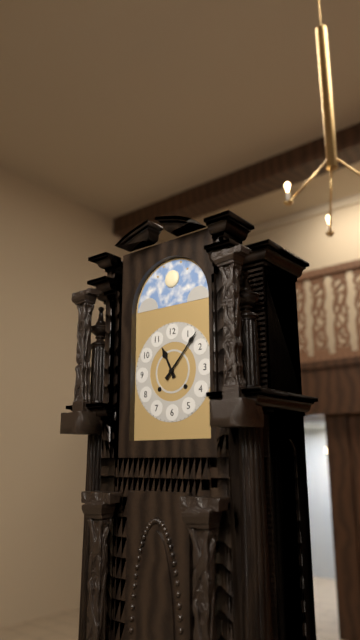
11:07
